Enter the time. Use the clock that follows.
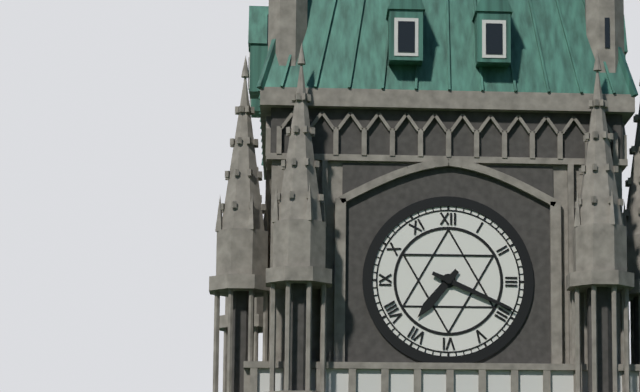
7:19
